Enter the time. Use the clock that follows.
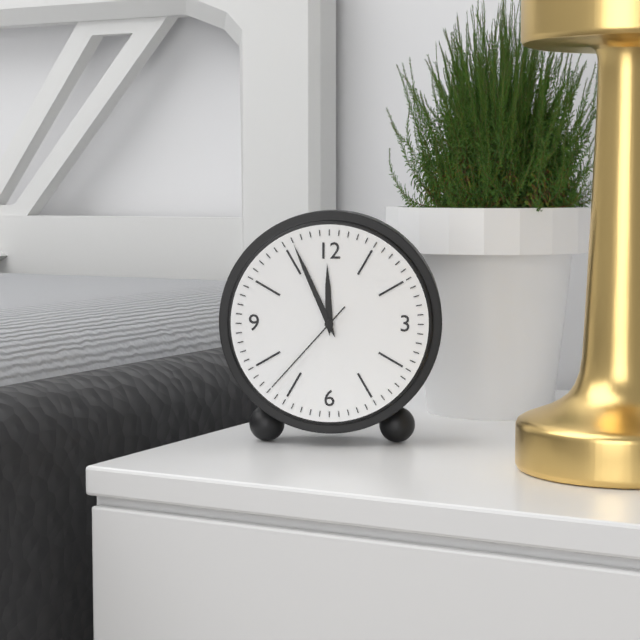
11:56:37
